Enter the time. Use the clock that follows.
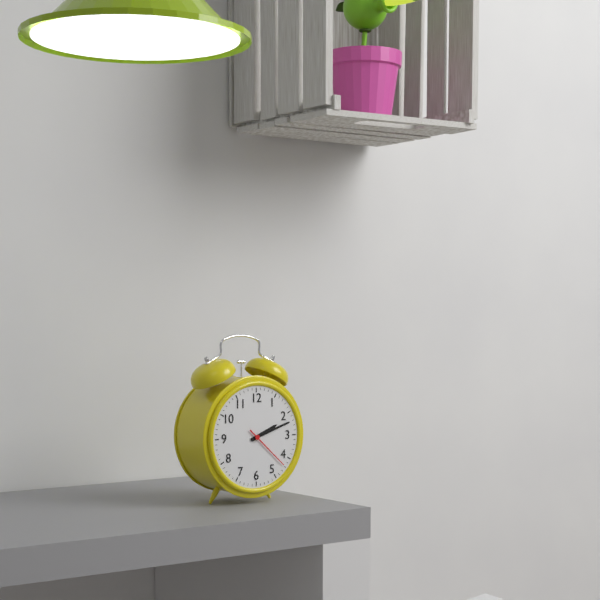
2:12
